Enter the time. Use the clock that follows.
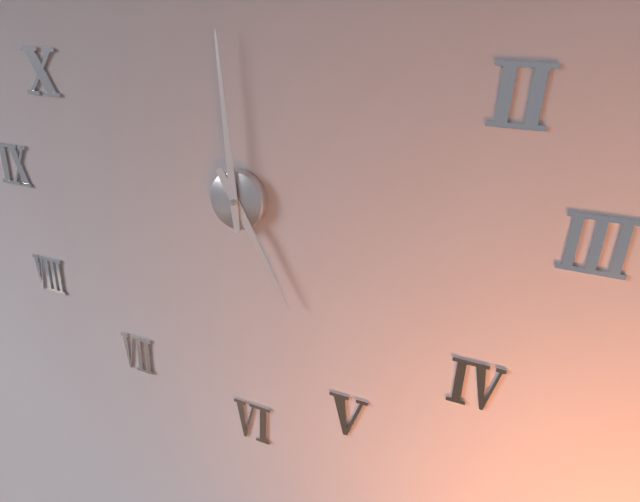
4:59
